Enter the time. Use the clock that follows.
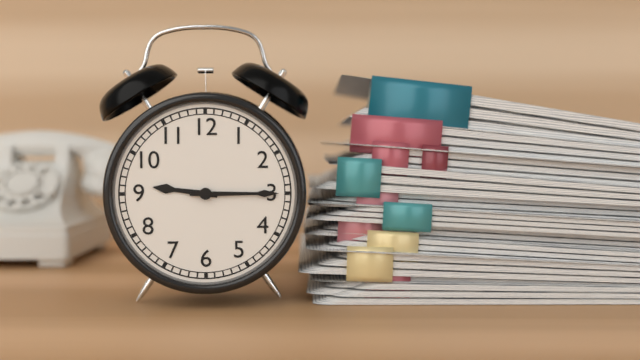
9:15
